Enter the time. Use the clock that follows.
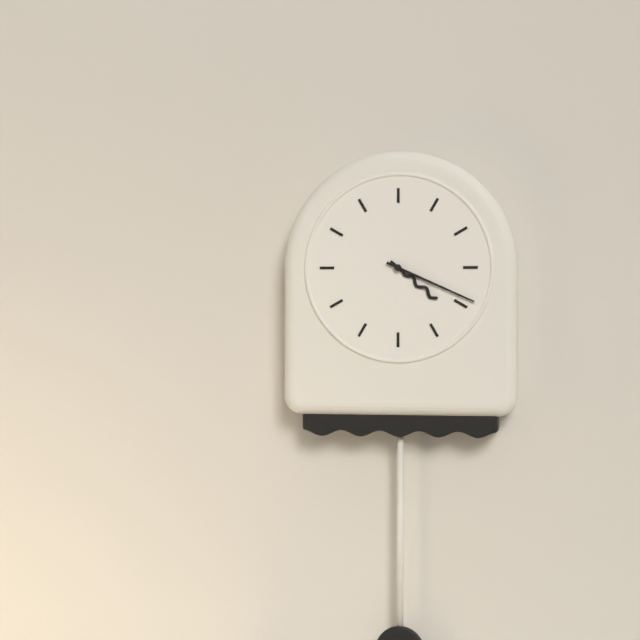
4:19
